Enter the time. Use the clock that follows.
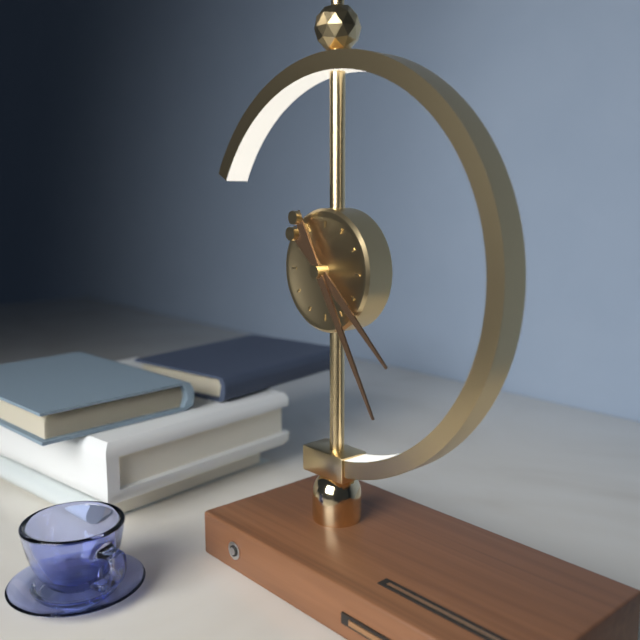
4:25
